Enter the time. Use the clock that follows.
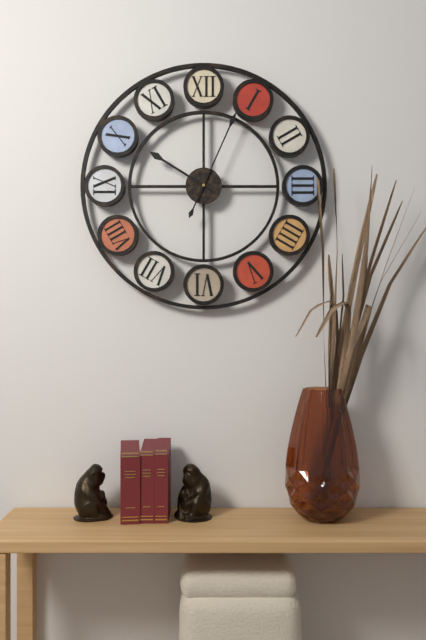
10:04
